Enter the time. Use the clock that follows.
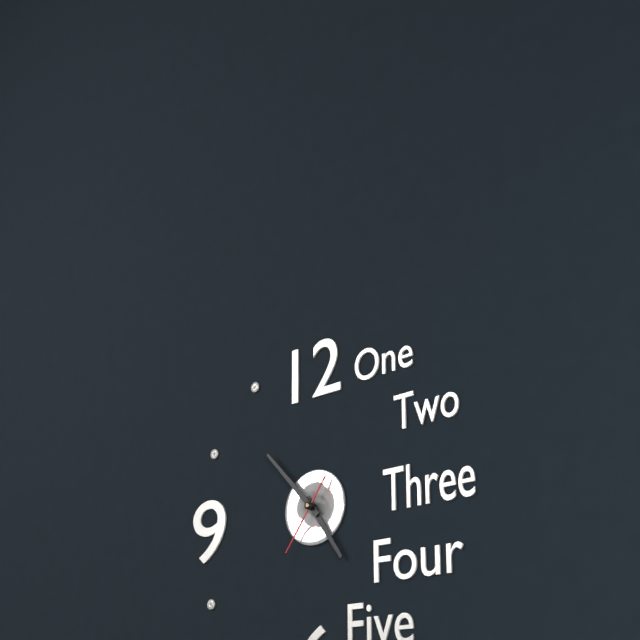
4:53:36
